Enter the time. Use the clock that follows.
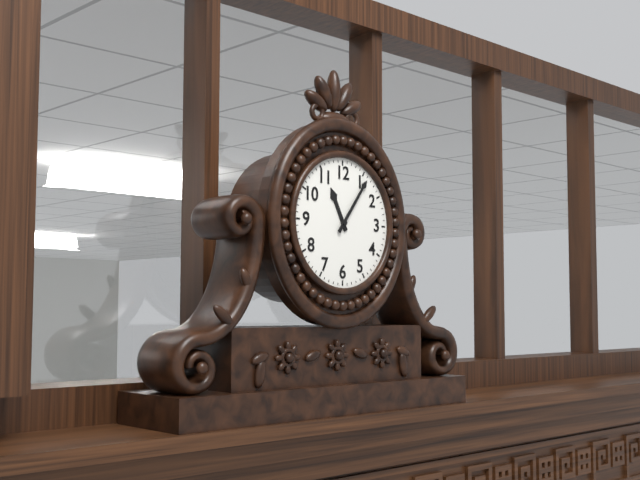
11:06
